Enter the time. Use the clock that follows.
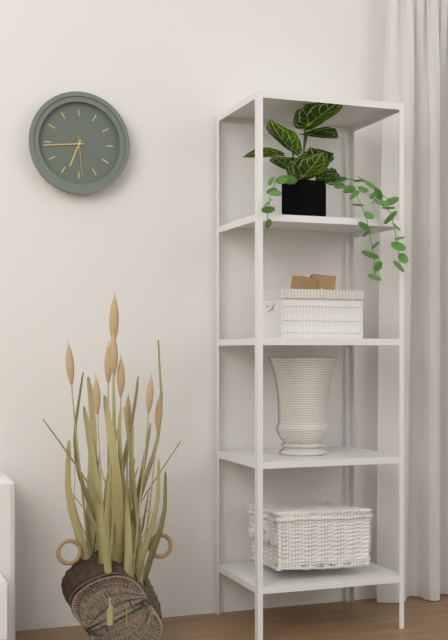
6:44
